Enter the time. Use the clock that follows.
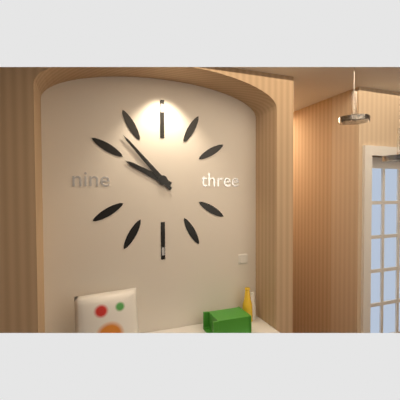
9:53
